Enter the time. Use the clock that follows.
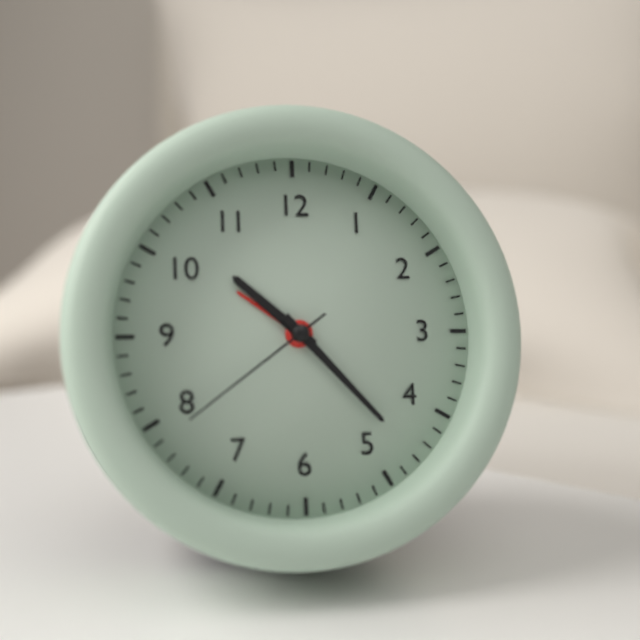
10:23:39
